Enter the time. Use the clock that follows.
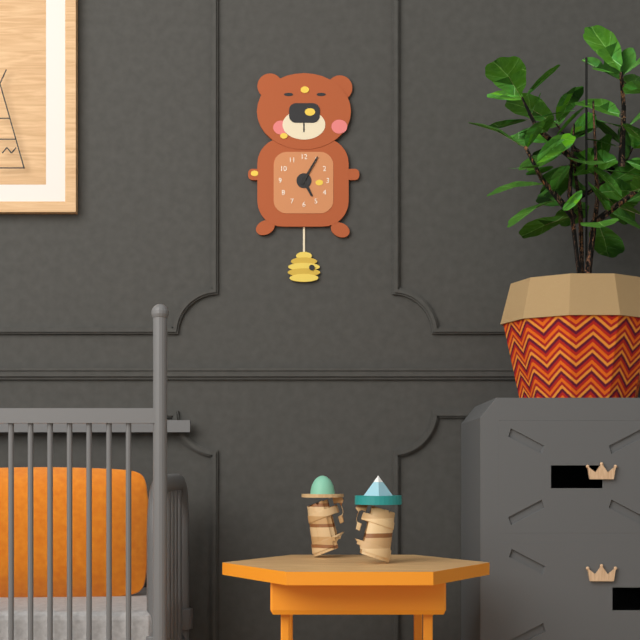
5:05
